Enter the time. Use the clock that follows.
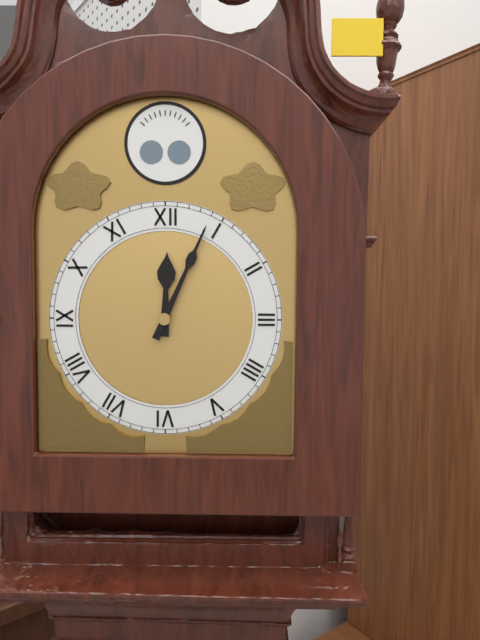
12:04
